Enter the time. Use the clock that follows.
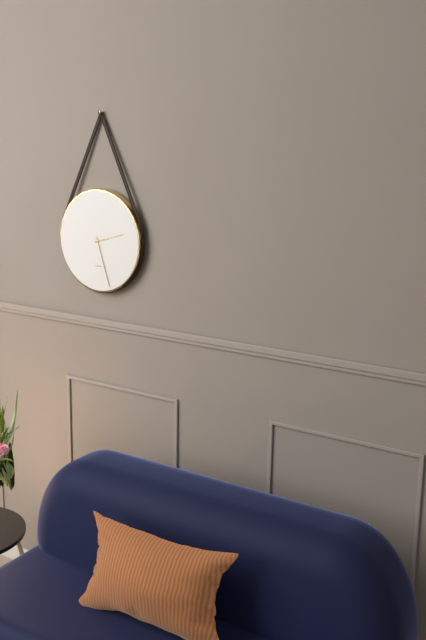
2:27
